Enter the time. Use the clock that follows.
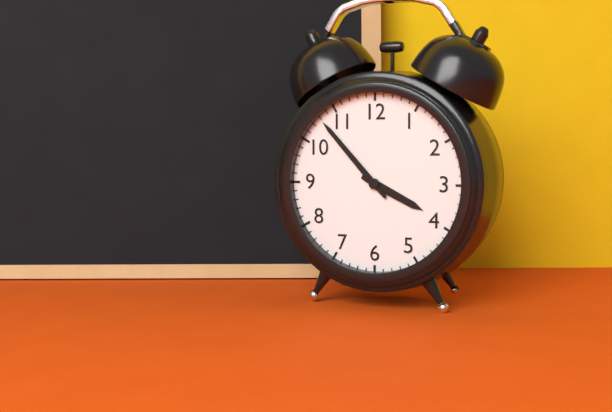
3:53
